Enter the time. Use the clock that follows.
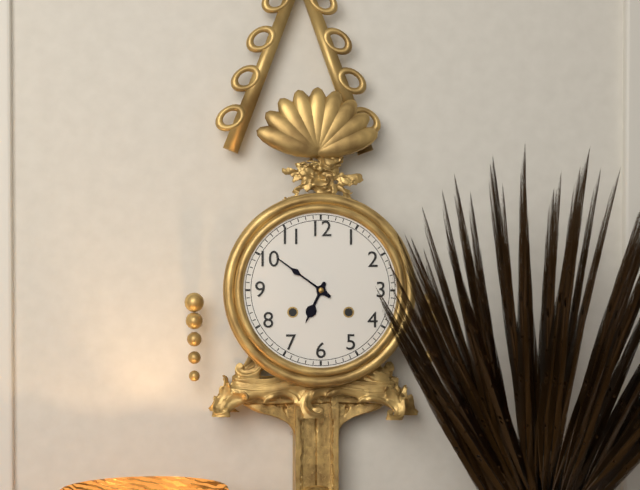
6:51
